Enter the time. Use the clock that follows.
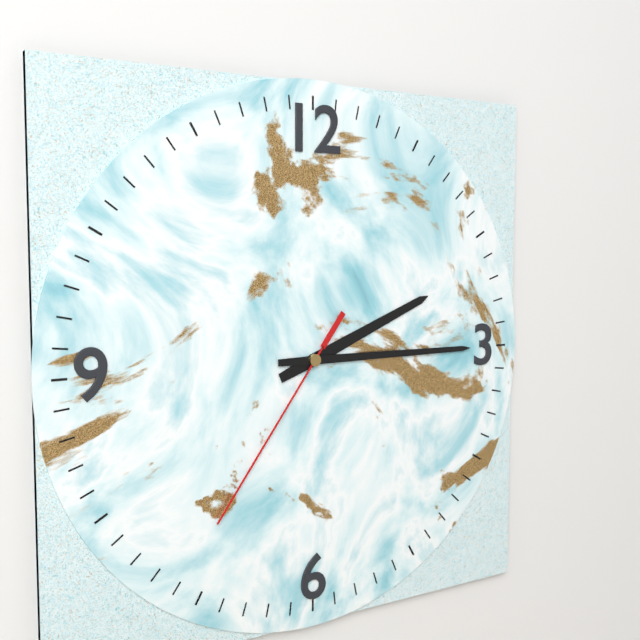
2:15:36
